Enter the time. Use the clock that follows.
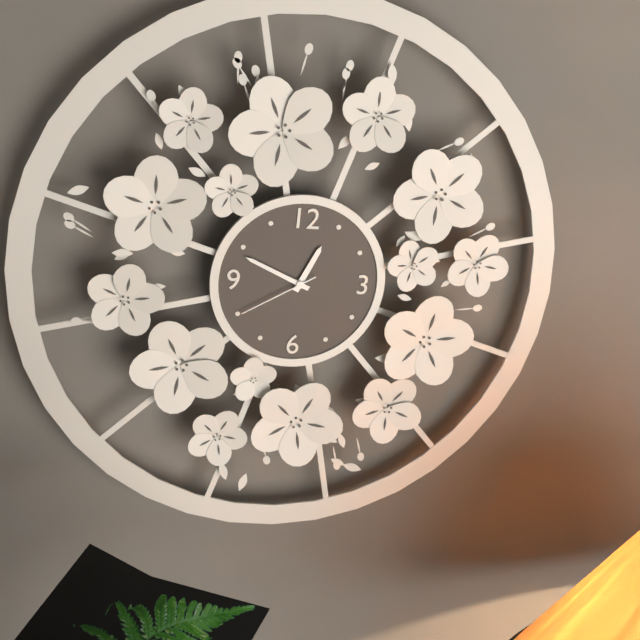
12:49:40
